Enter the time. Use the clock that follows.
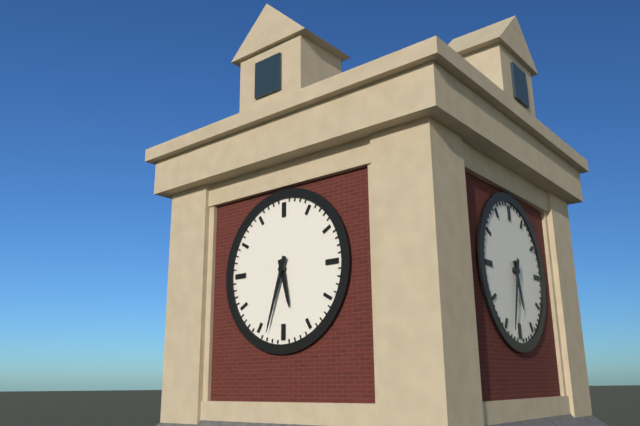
5:33
